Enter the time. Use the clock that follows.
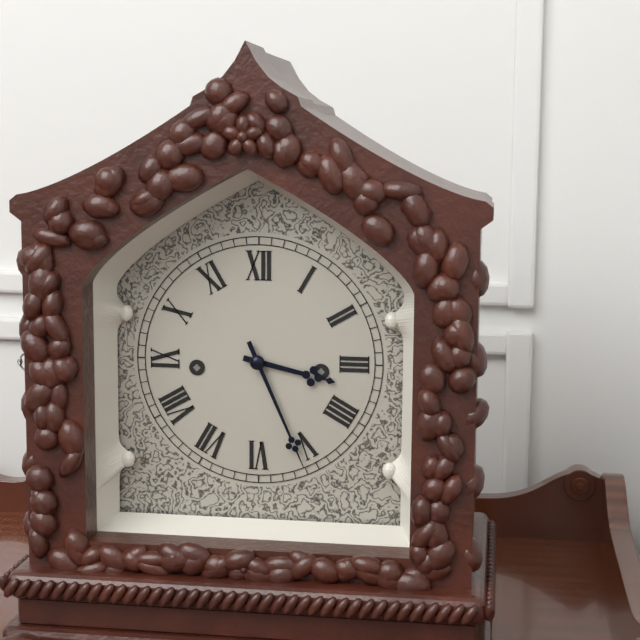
3:26
